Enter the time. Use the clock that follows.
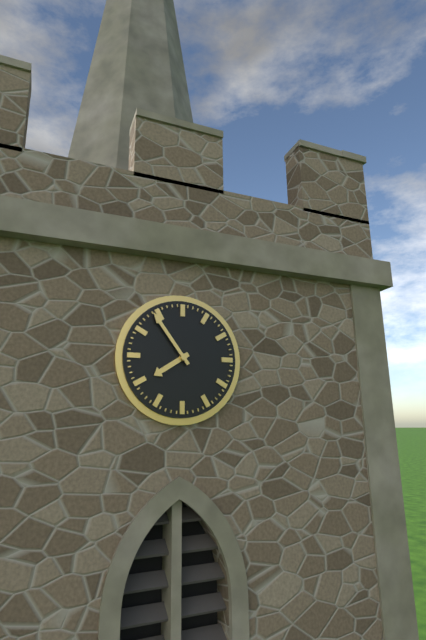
7:54
